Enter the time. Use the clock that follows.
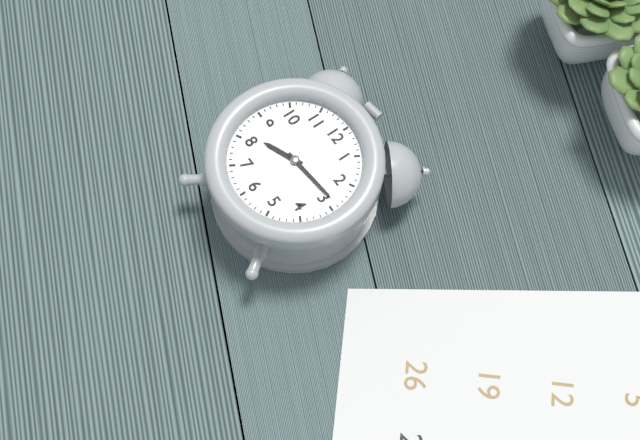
8:14
